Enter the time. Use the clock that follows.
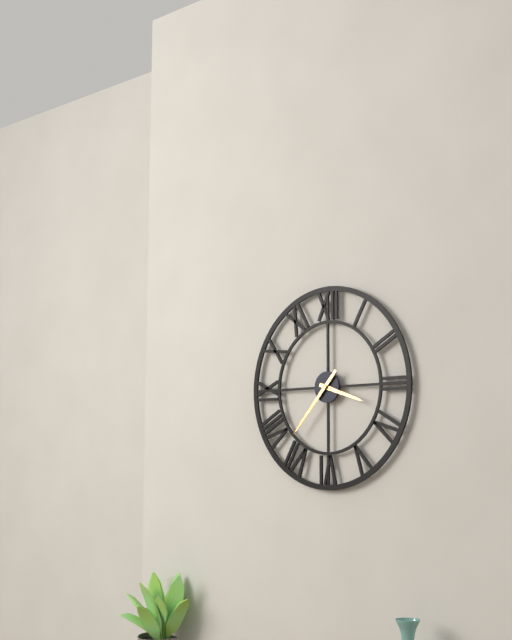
3:37
